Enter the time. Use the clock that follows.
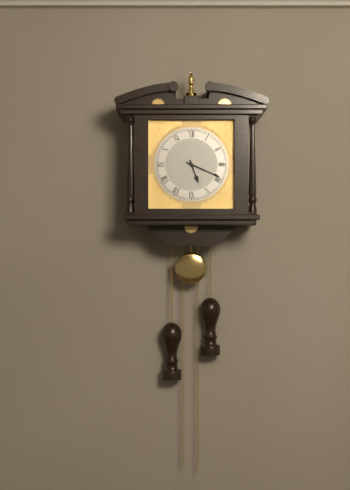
5:19
